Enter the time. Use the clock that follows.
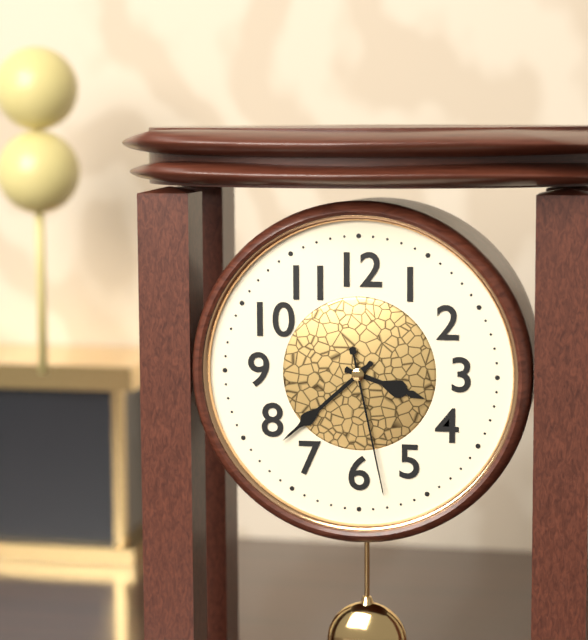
3:38:28
